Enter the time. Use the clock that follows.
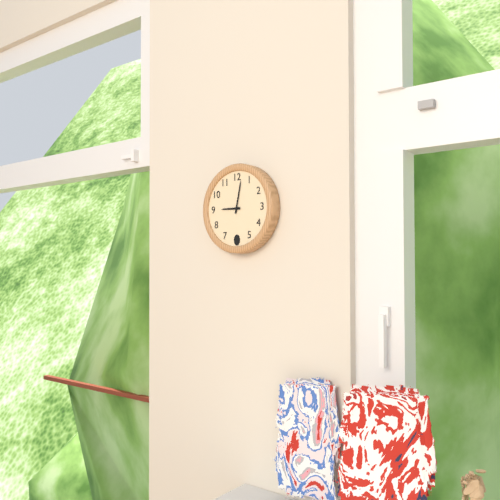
9:02
